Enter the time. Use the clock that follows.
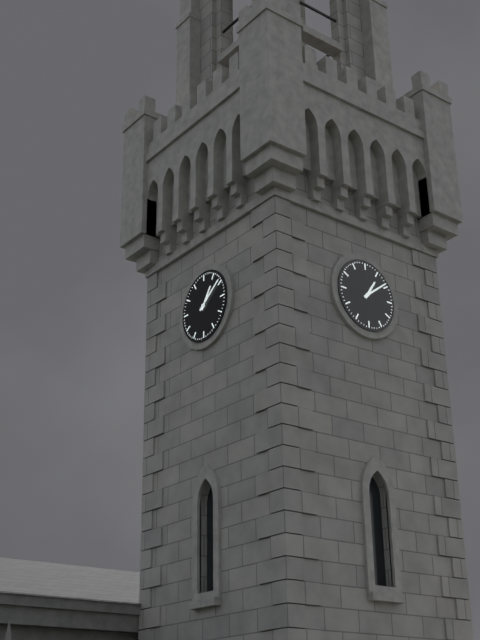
1:09
